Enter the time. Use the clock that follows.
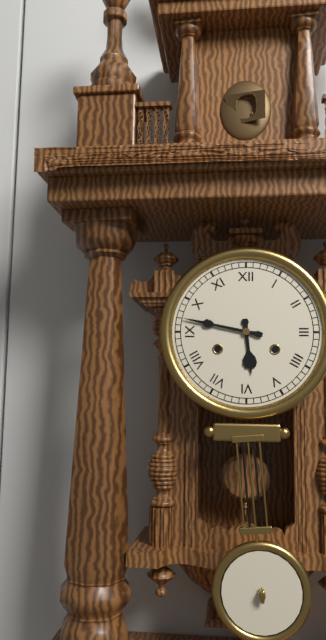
5:47
